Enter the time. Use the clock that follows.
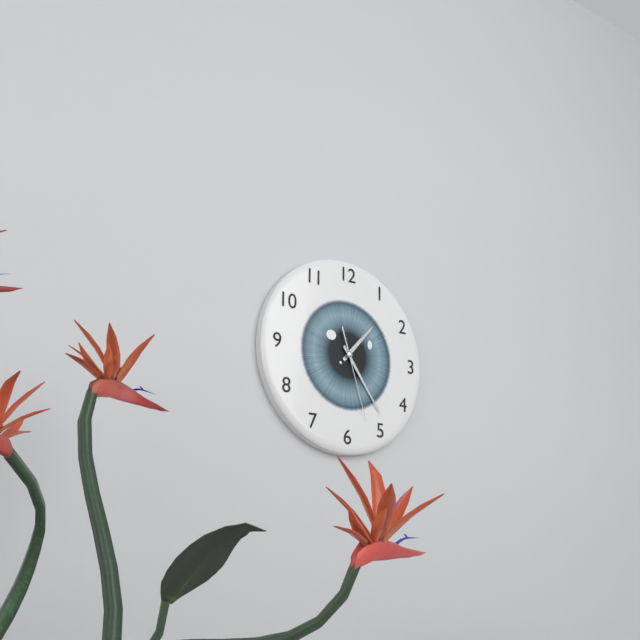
1:24:27
